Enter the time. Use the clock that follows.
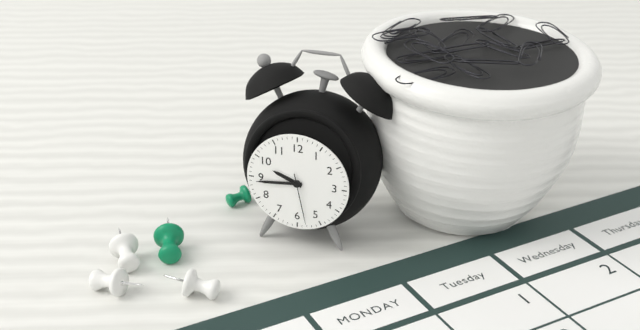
9:44:28
